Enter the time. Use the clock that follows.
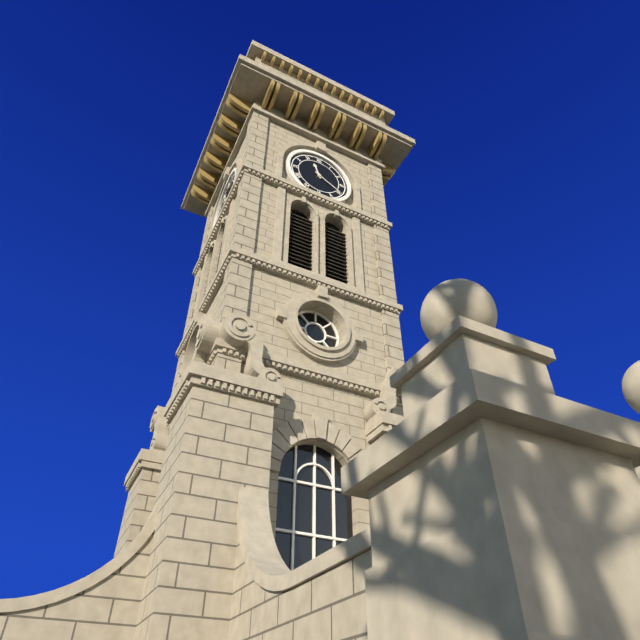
11:20
